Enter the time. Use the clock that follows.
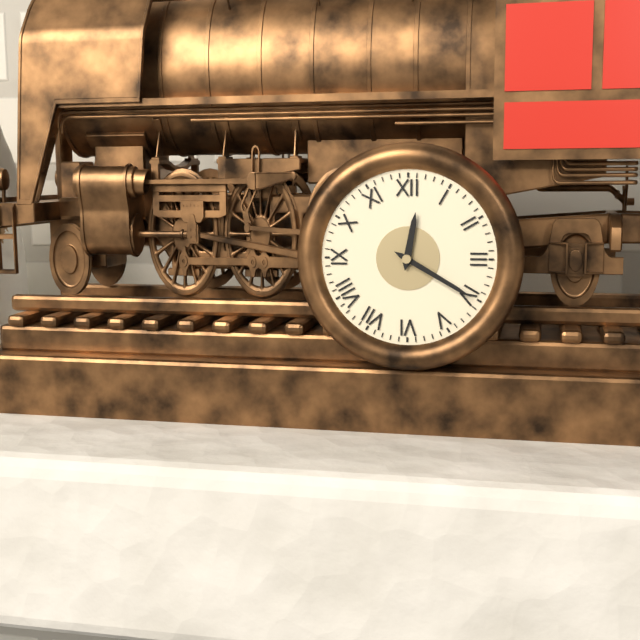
12:20
